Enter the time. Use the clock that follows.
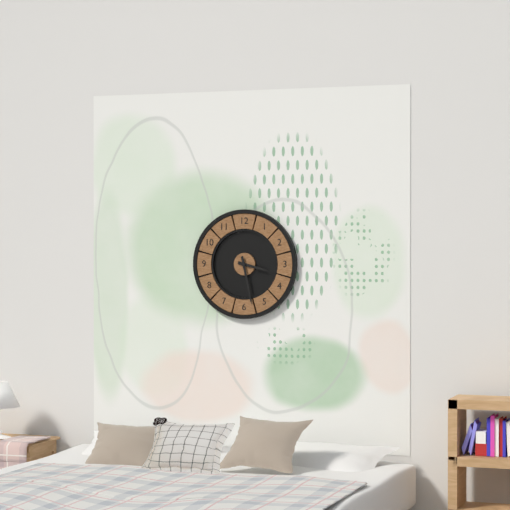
3:28
